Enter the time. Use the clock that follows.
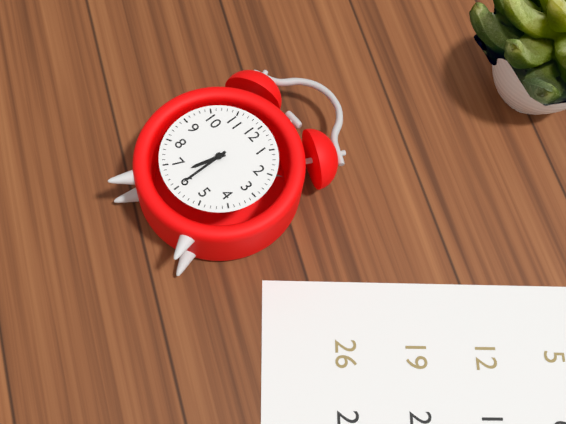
6:30
